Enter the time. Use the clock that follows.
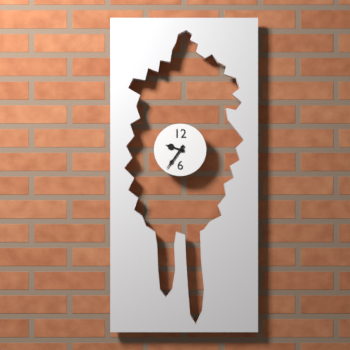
9:36
